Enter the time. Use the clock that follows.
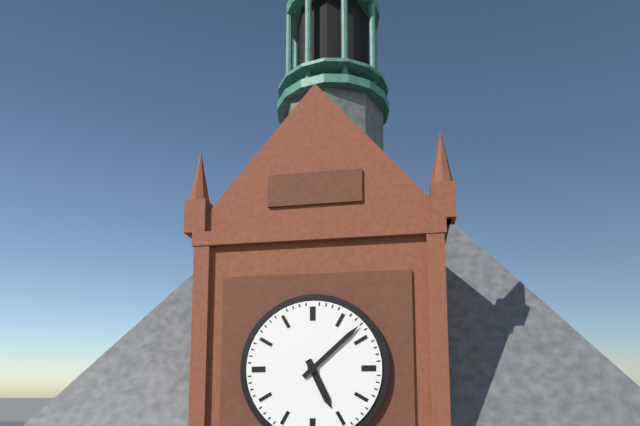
5:08
